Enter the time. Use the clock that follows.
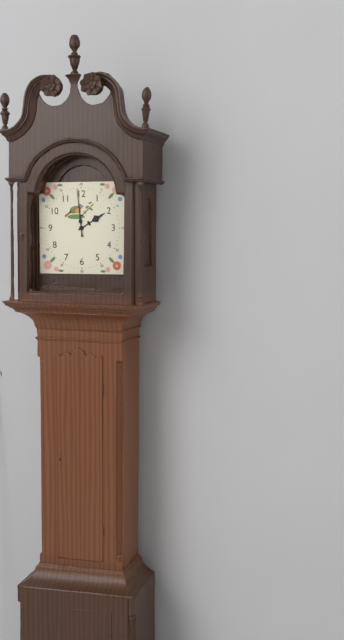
1:59
